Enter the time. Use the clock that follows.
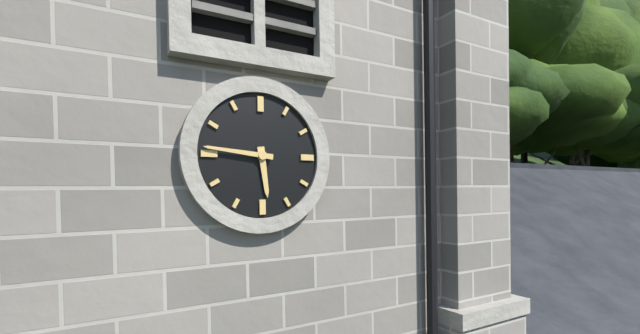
5:46
